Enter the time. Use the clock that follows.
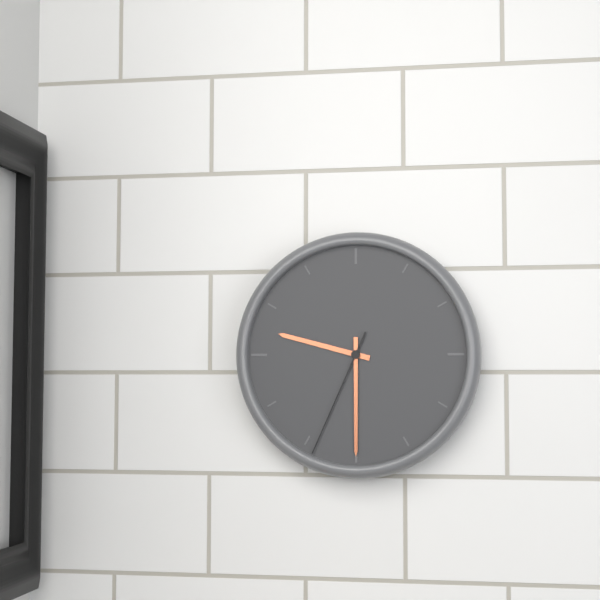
9:30:34
